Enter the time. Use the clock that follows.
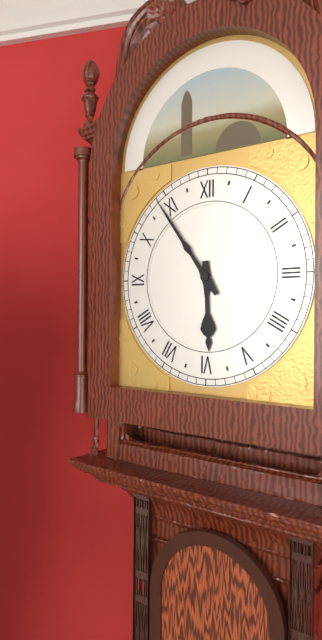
5:54
